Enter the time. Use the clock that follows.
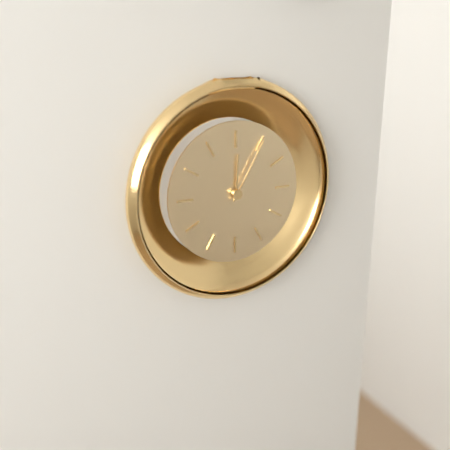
12:05
